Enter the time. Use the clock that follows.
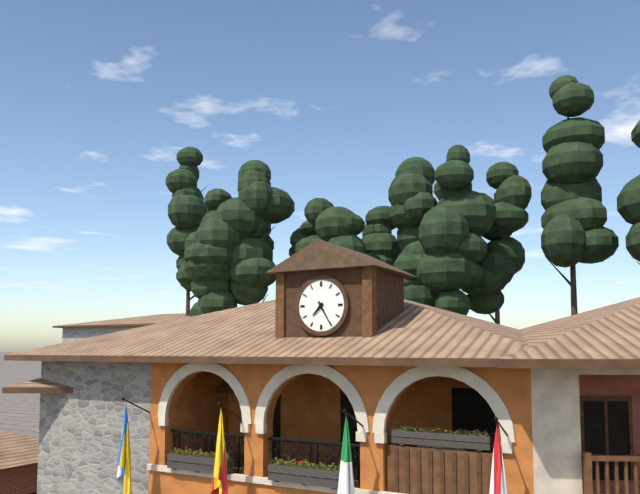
7:25
